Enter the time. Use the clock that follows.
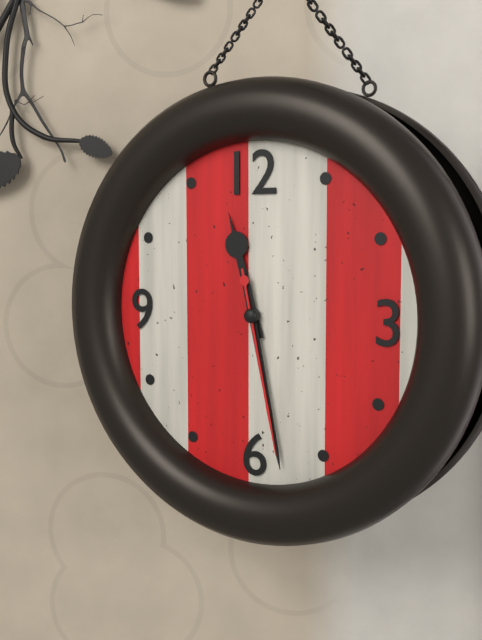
11:28:28
